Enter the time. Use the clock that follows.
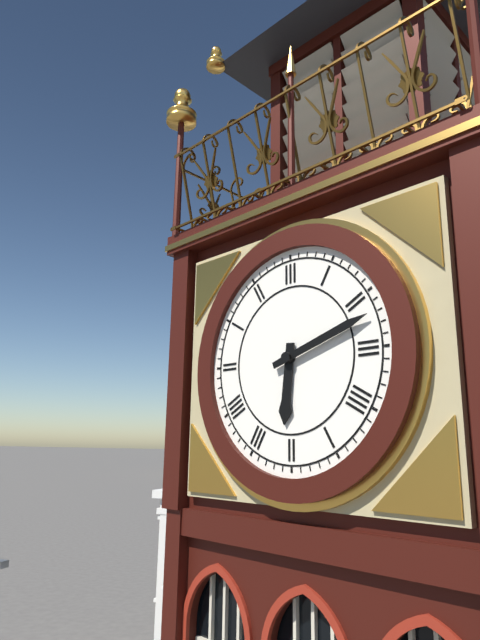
6:12
